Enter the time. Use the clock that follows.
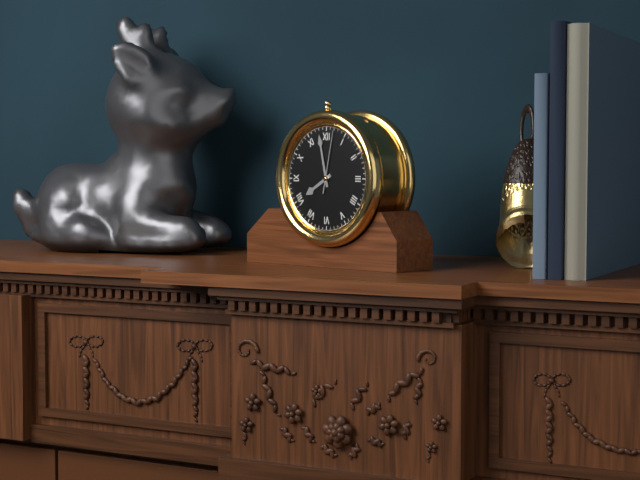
7:58:02
